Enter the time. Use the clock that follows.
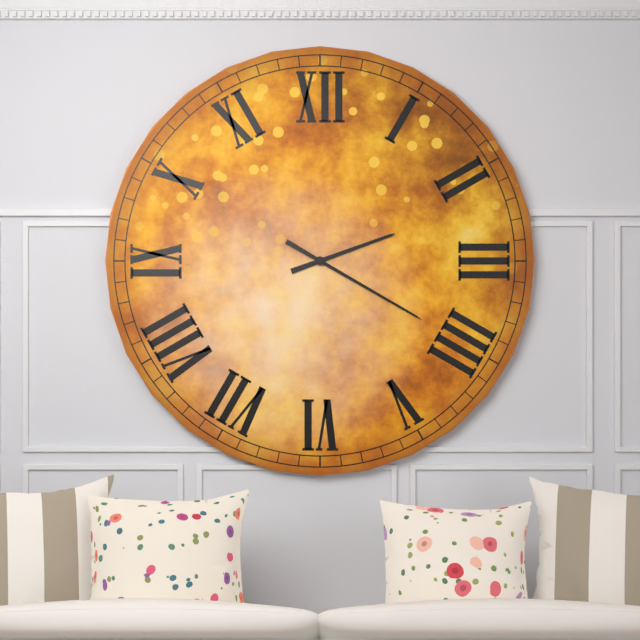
2:20
